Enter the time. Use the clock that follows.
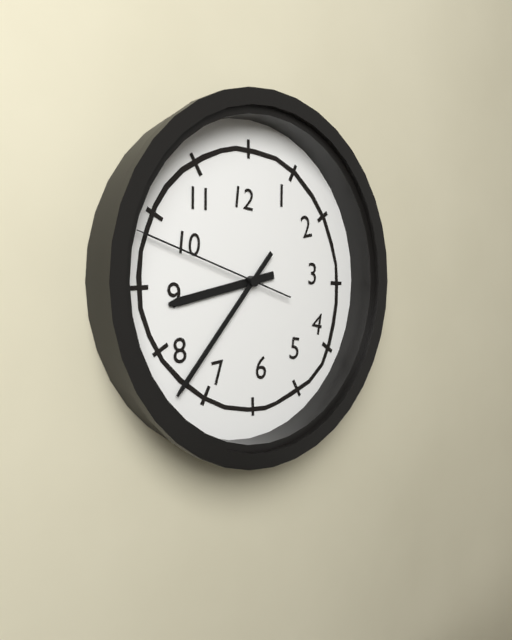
8:37:48
